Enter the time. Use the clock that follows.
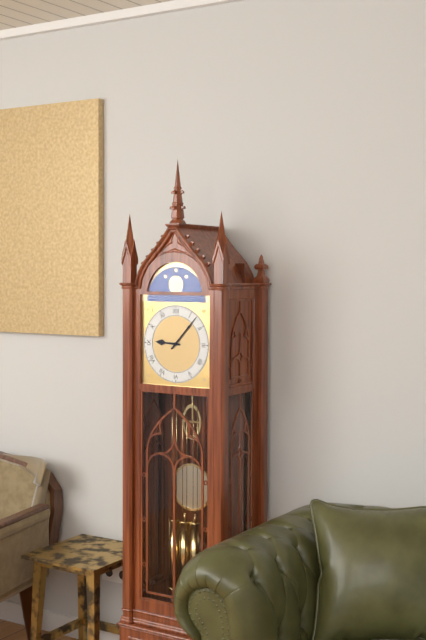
9:07
